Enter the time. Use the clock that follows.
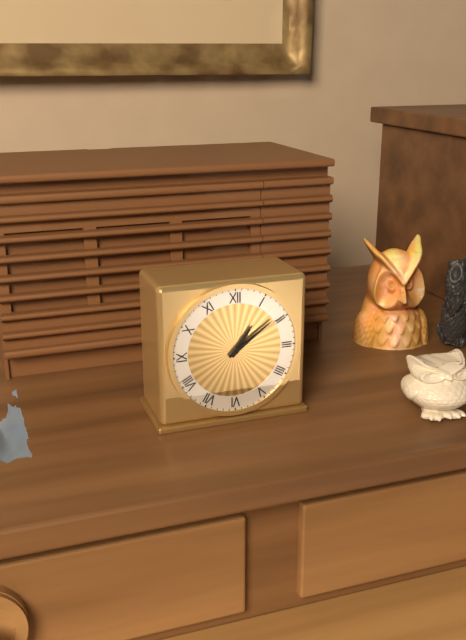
1:09
